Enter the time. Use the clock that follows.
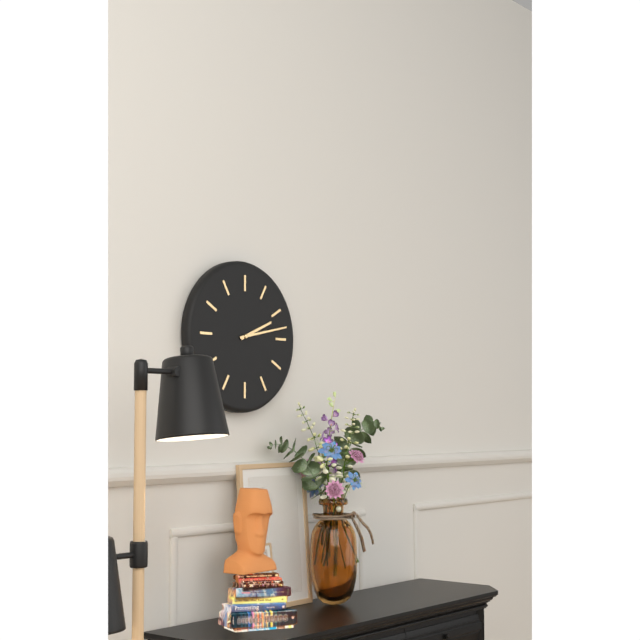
2:13
